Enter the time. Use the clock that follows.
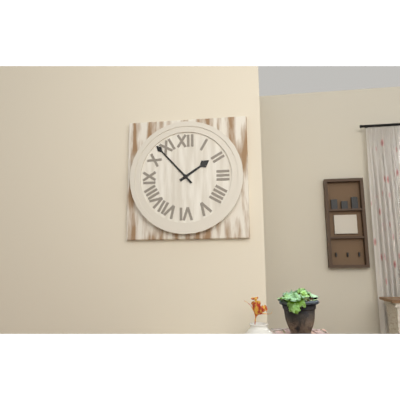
1:53
